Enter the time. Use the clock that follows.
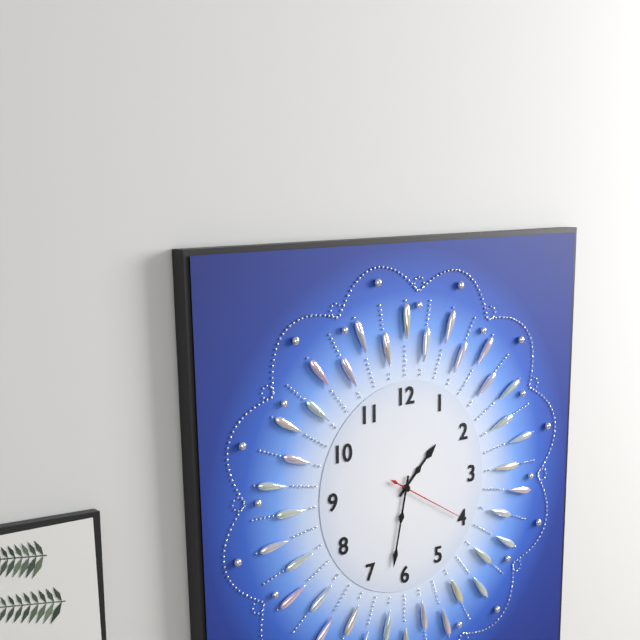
1:32:20
